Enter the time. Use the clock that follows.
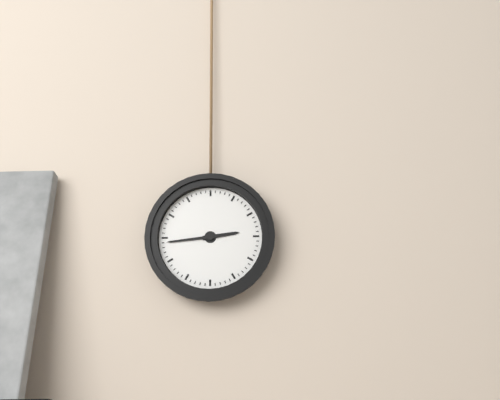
2:44
